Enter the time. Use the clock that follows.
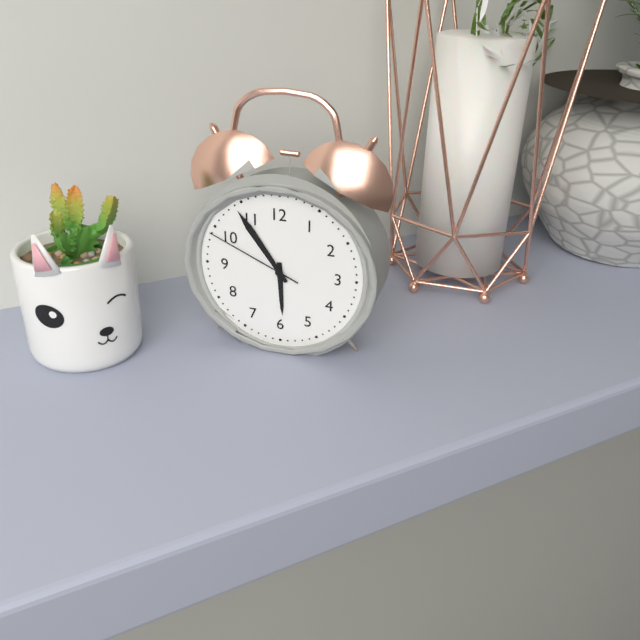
5:54:49
